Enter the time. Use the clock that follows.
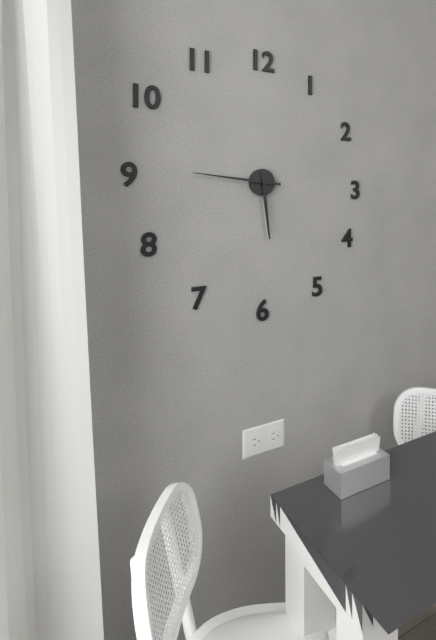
5:46
